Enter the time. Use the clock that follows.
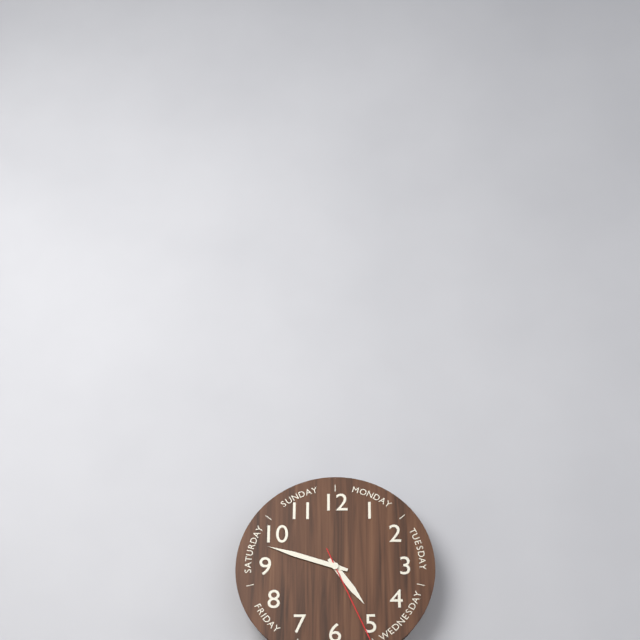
4:48
